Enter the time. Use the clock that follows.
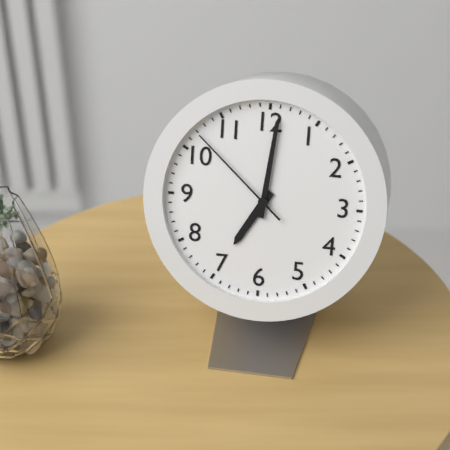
7:01:52
